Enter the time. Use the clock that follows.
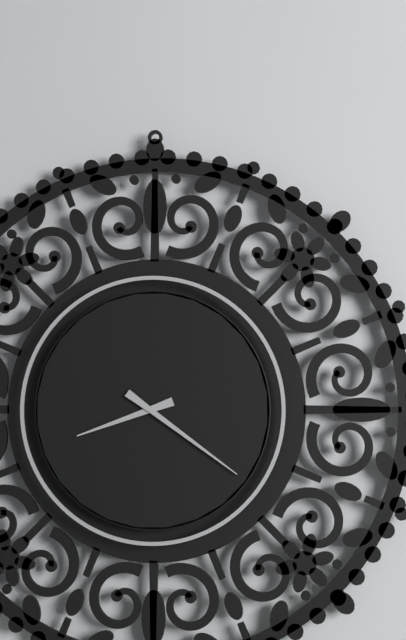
8:21
